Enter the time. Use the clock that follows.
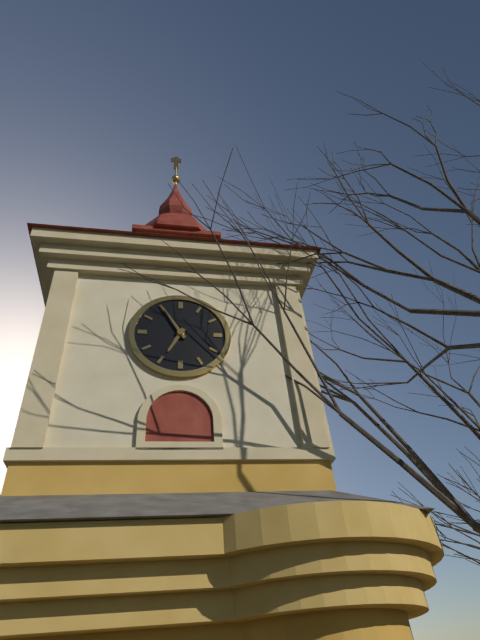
6:55
